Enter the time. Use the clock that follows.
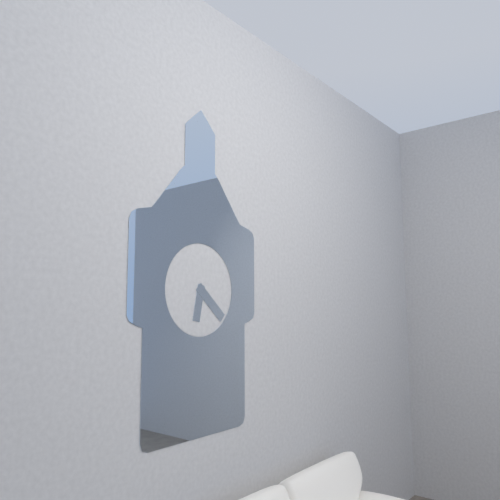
6:22
